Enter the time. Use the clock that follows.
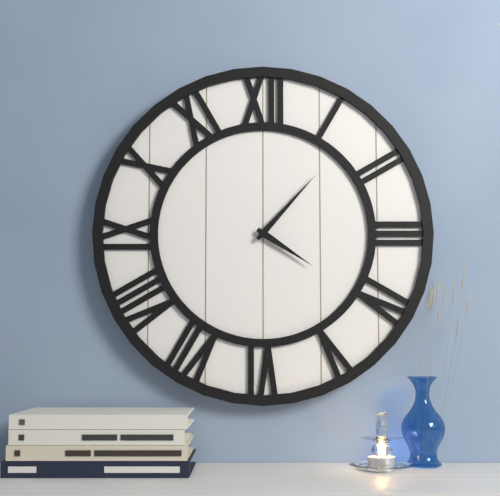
4:07
